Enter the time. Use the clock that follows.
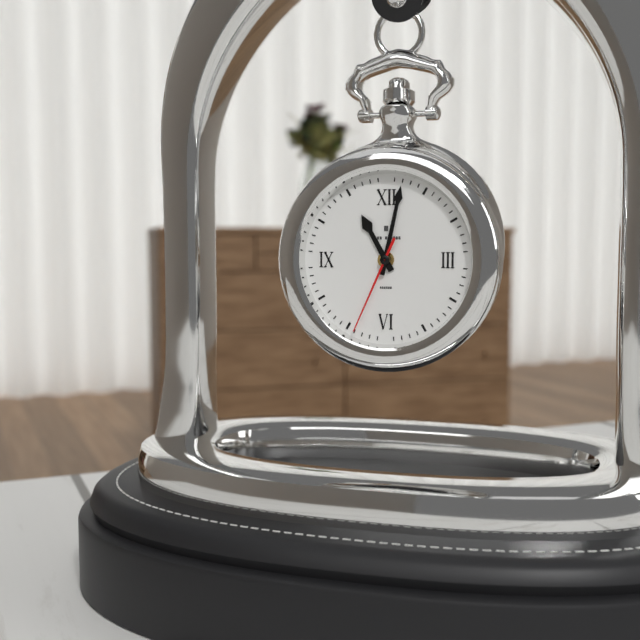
11:02:34
